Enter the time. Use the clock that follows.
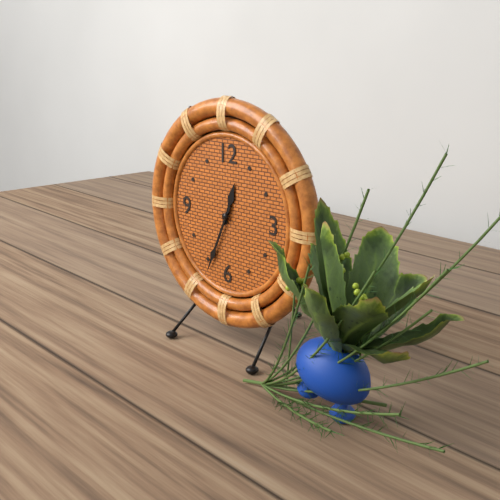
12:34
